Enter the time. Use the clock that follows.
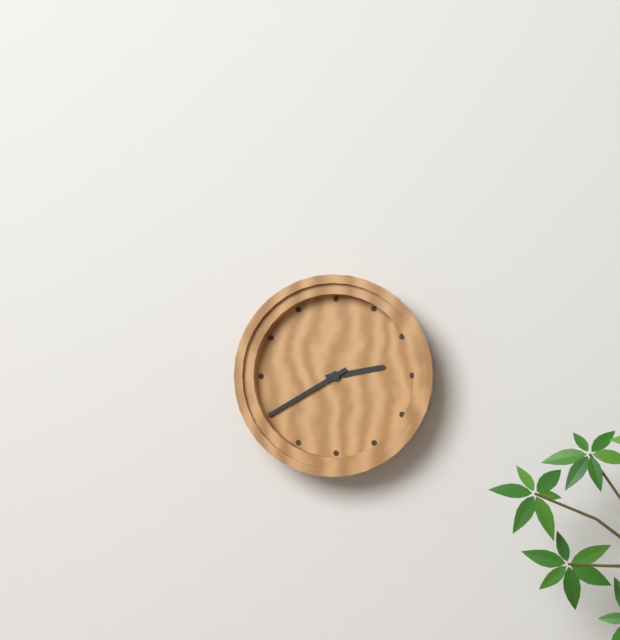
2:40
